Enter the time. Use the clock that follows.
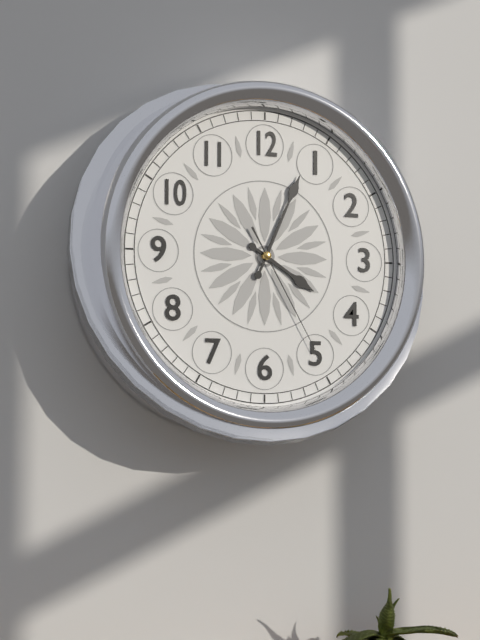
4:04:25
